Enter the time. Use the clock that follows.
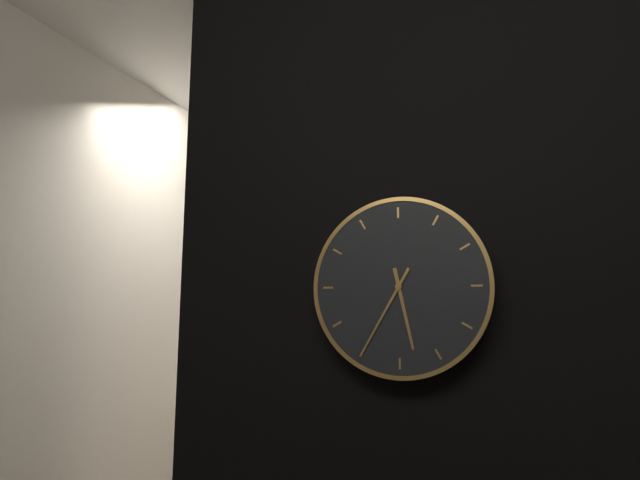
5:35
